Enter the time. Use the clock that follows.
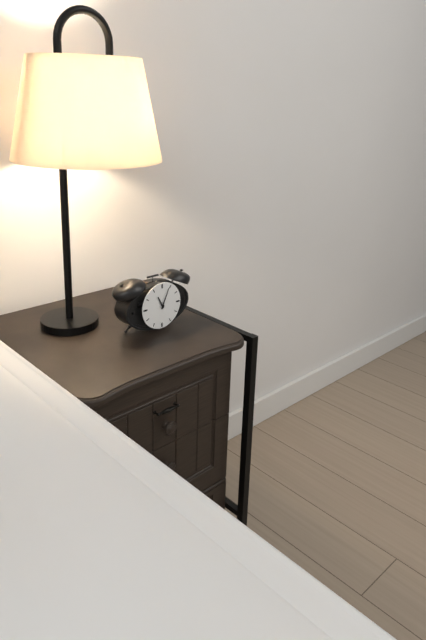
11:04
